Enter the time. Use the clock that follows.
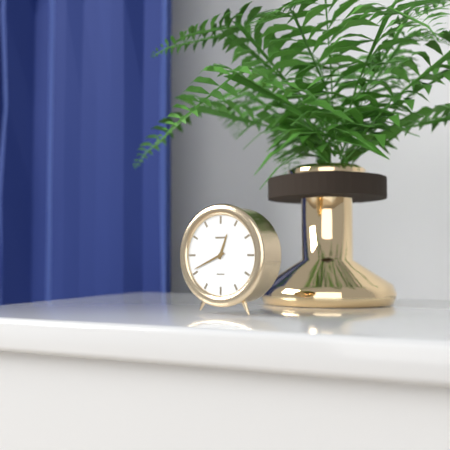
12:41
